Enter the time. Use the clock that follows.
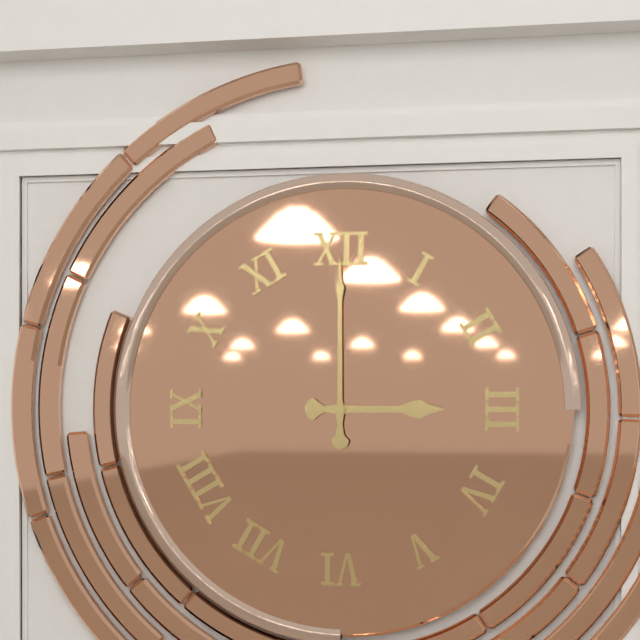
3:00
